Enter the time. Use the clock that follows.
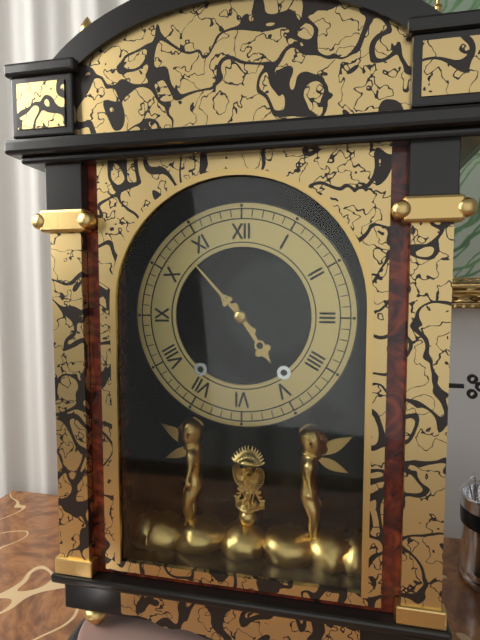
4:53
